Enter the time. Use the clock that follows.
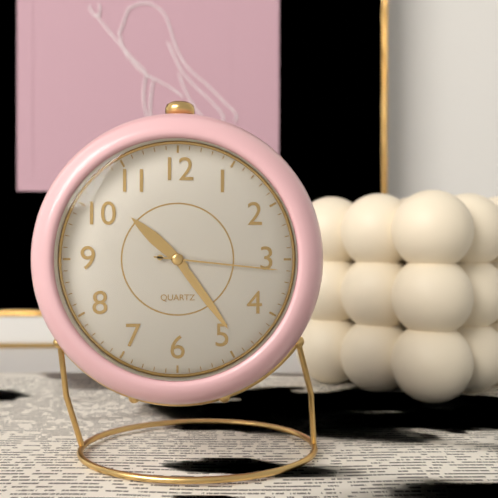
10:24:16
